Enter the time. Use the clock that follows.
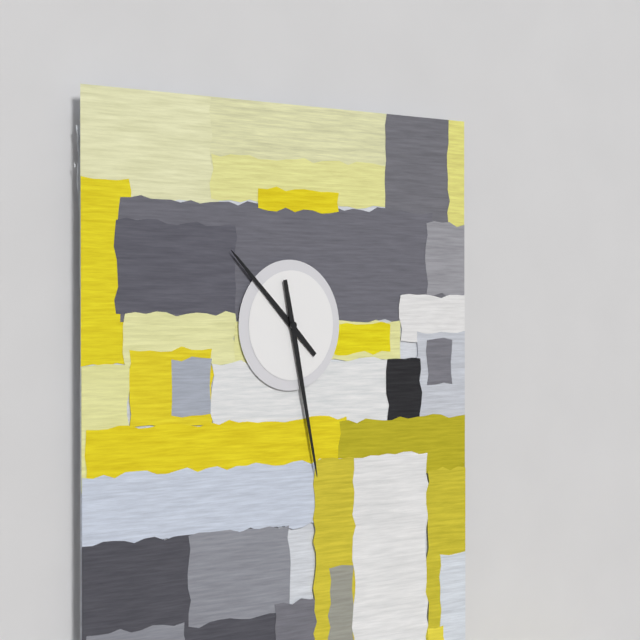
10:28
